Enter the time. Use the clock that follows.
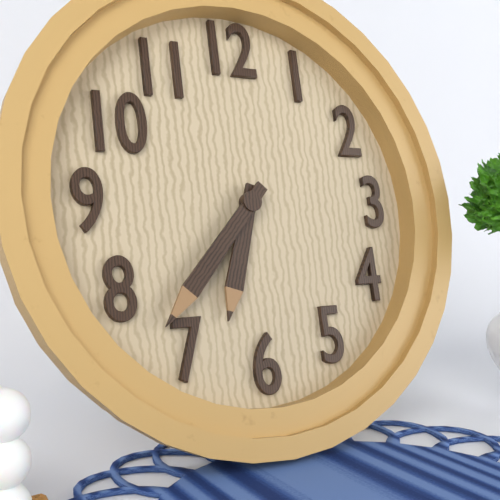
6:37
